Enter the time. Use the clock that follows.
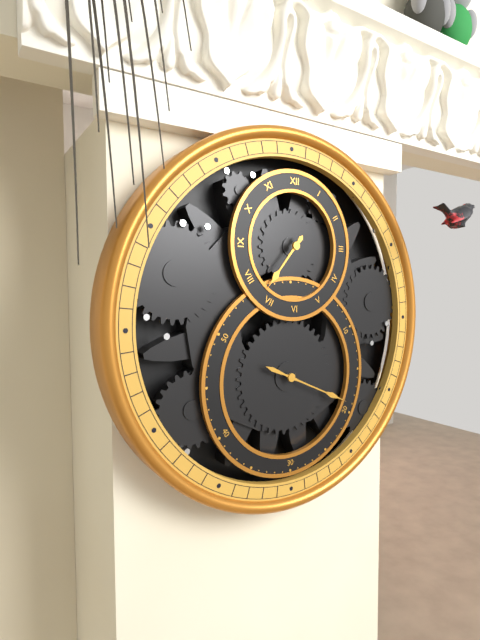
7:19
